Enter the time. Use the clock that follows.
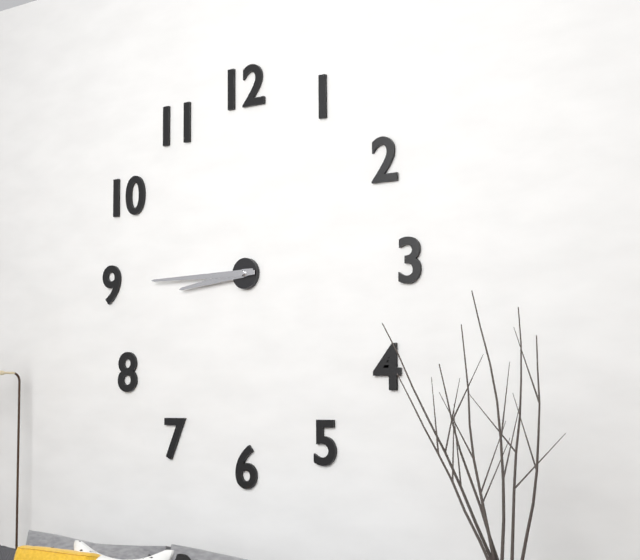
8:45
